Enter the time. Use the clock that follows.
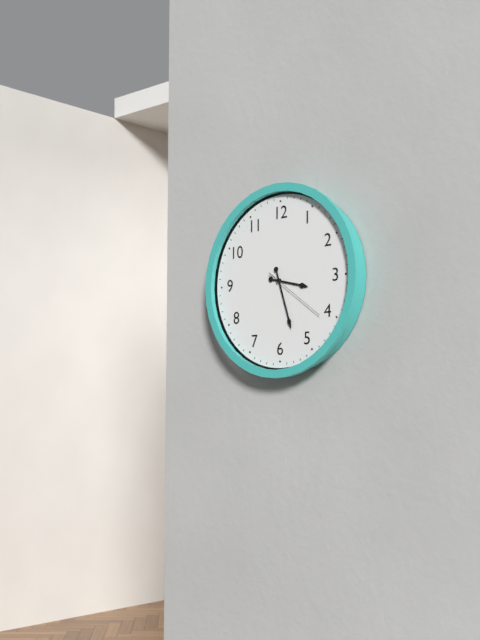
3:27:21
